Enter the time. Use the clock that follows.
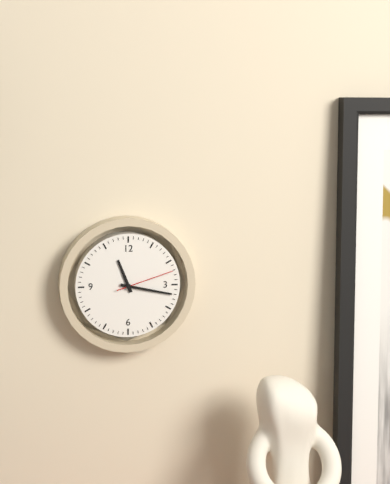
11:17:12
